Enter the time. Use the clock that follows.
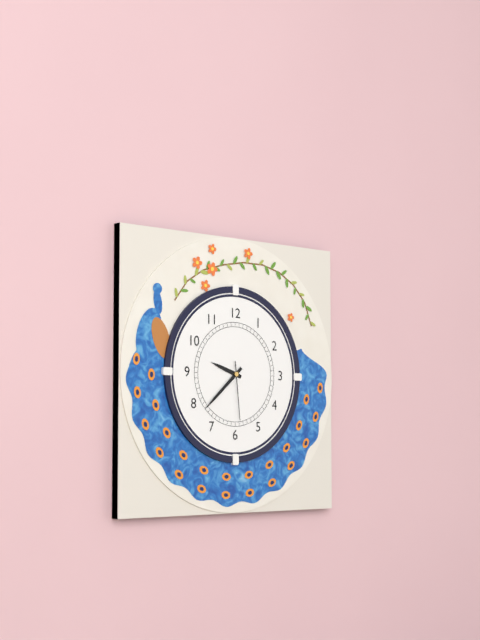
9:38:29
